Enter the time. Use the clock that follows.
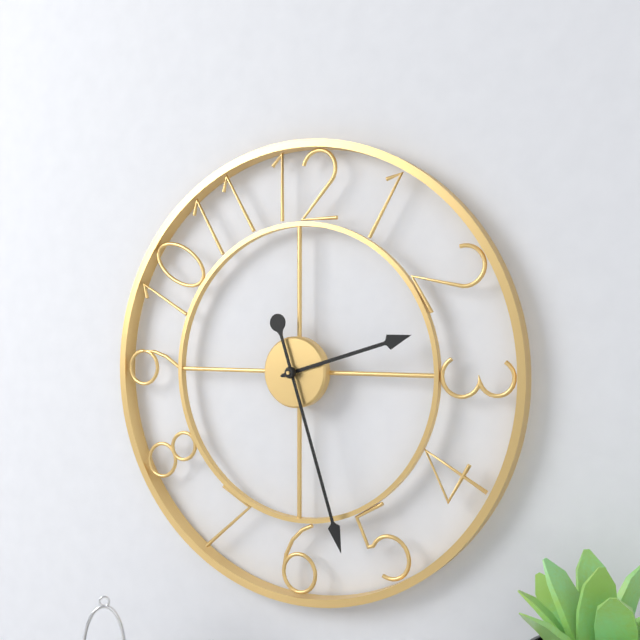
2:27
